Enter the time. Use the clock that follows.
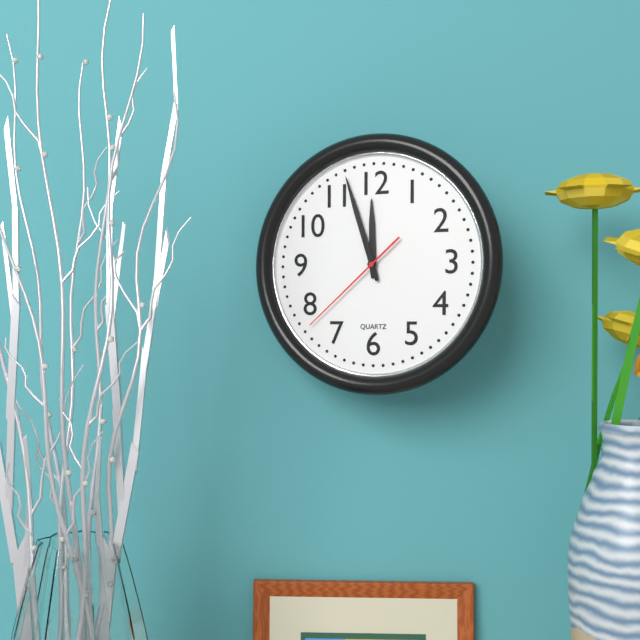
11:57:38
